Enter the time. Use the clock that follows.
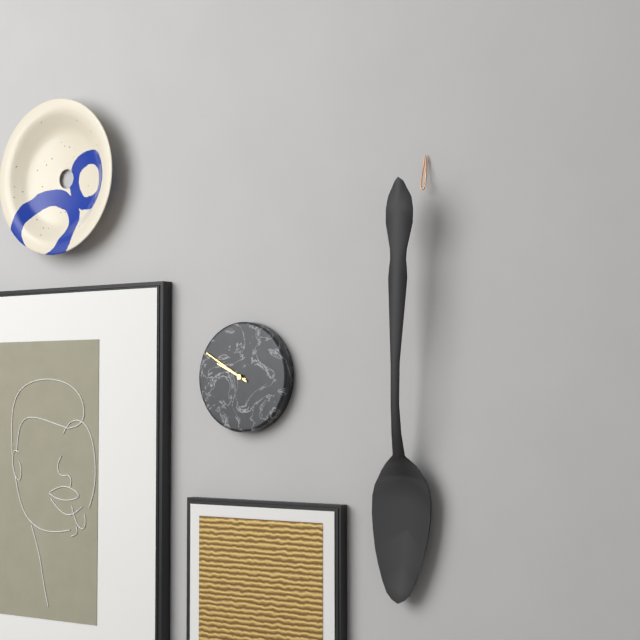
9:50
